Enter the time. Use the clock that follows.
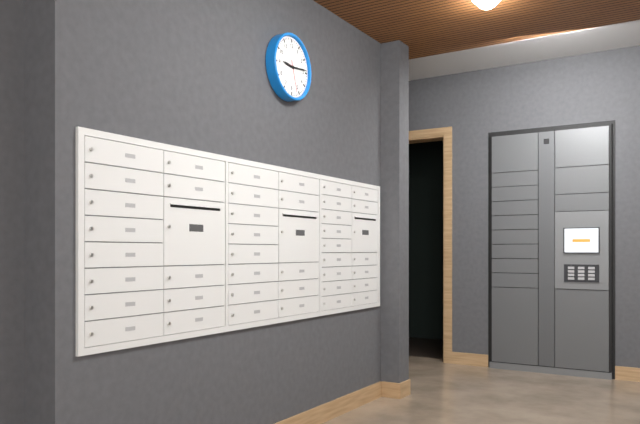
9:14
